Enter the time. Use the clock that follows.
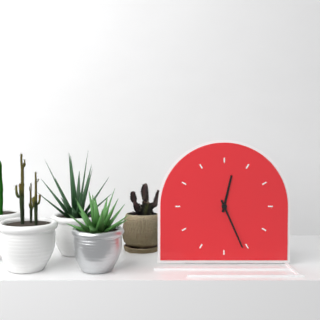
12:26
